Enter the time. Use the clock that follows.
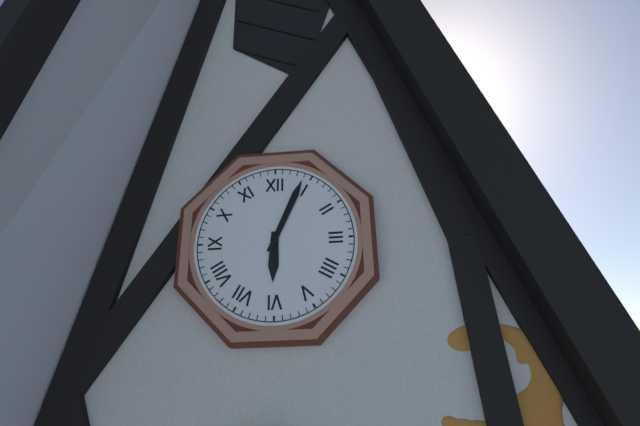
6:04
